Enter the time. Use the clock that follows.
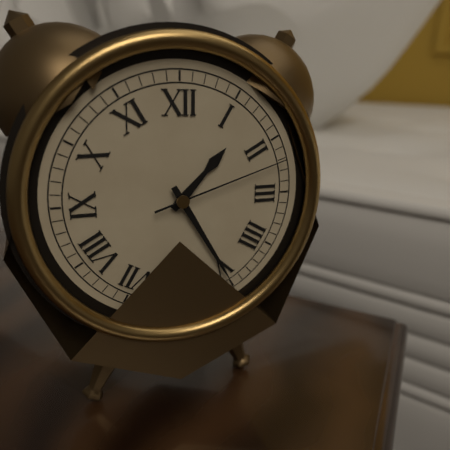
1:25:12
